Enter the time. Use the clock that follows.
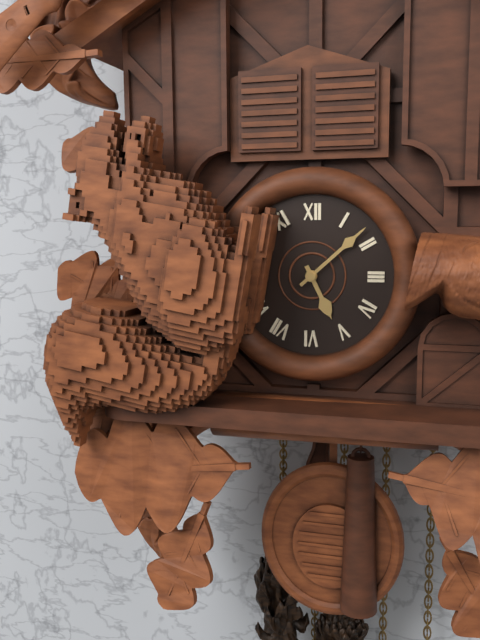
5:08
